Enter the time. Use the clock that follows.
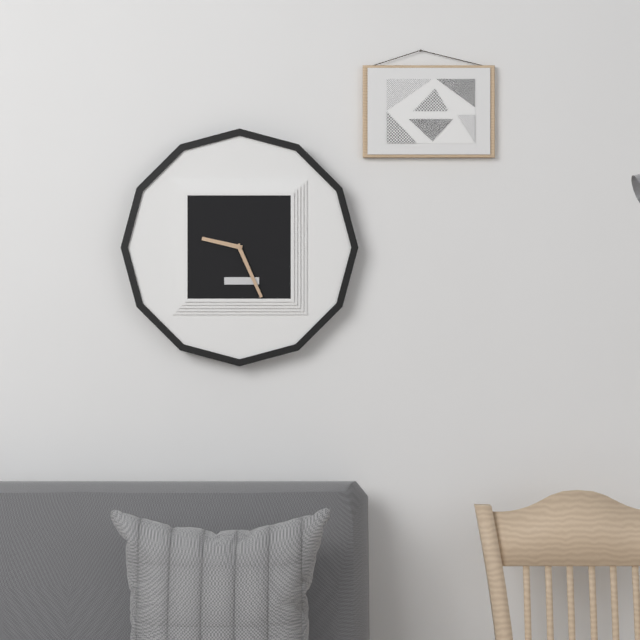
9:26
